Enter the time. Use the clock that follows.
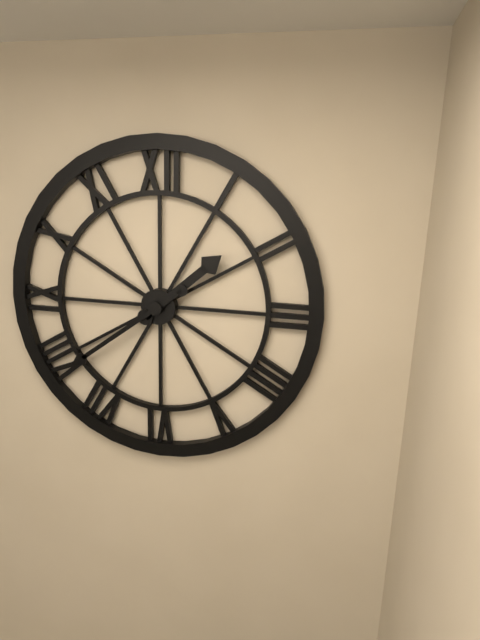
1:39
